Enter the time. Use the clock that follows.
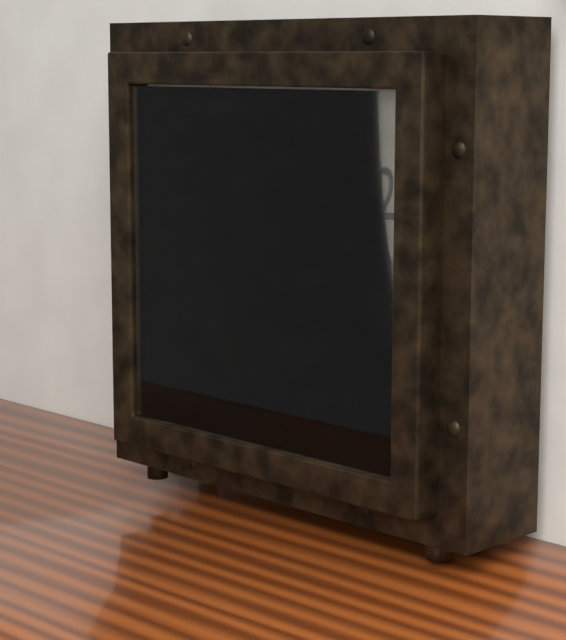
10:11
